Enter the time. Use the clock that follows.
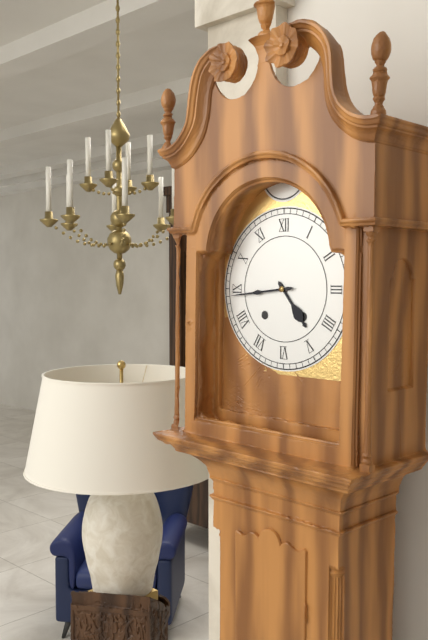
4:44
